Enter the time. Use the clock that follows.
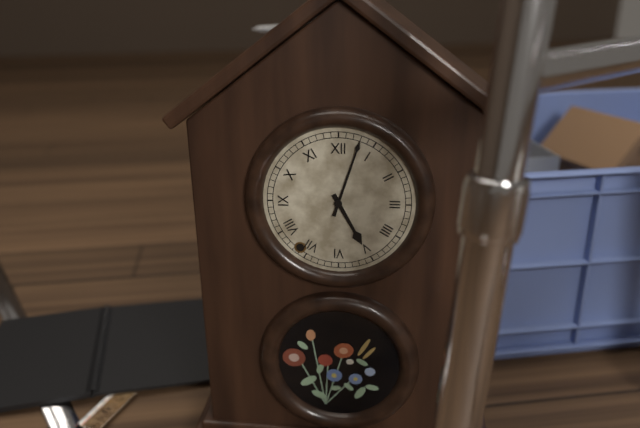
5:03
